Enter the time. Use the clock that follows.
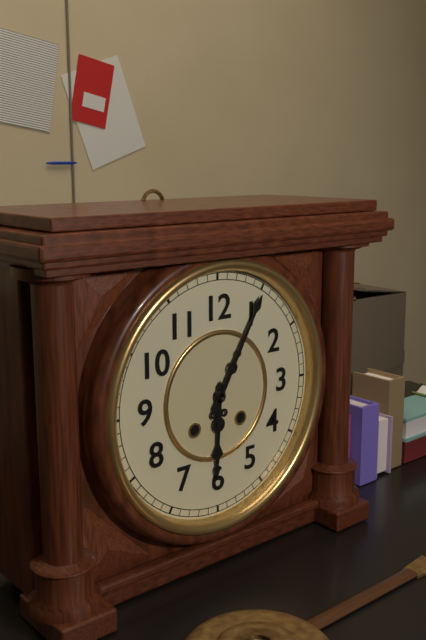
6:05
